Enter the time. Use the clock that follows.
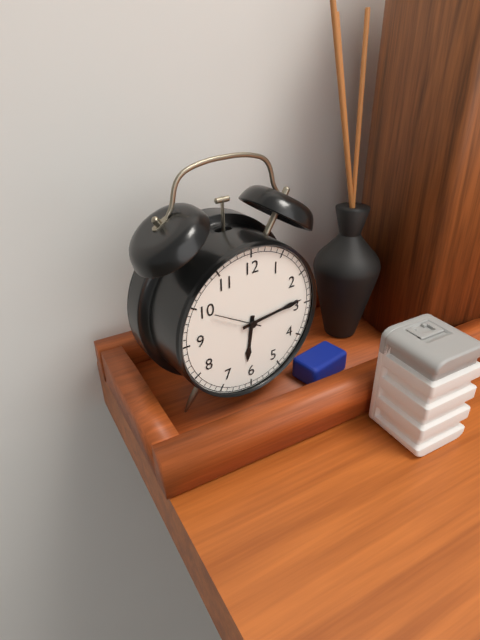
6:14
